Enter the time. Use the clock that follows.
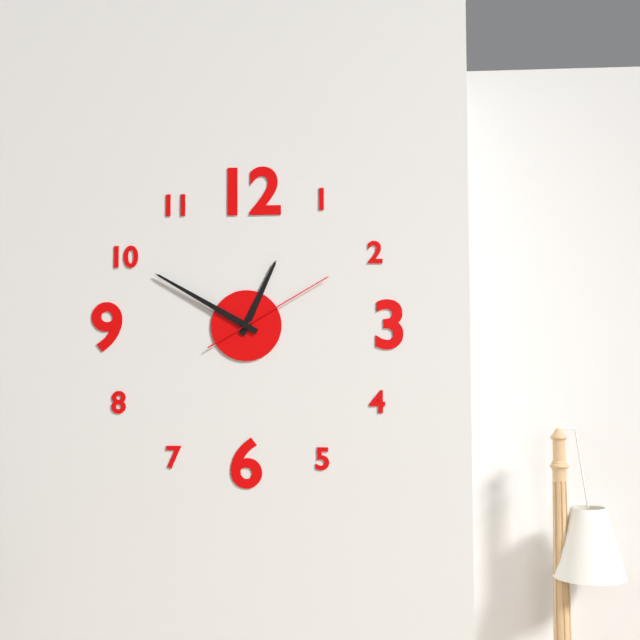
12:50:10
